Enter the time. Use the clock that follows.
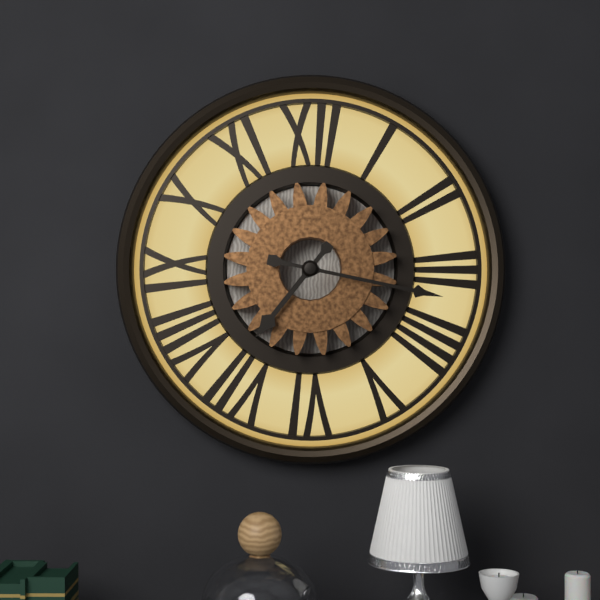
7:17
